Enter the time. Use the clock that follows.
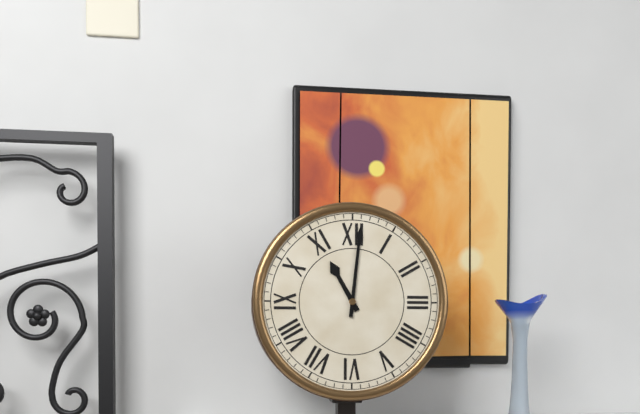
11:01
